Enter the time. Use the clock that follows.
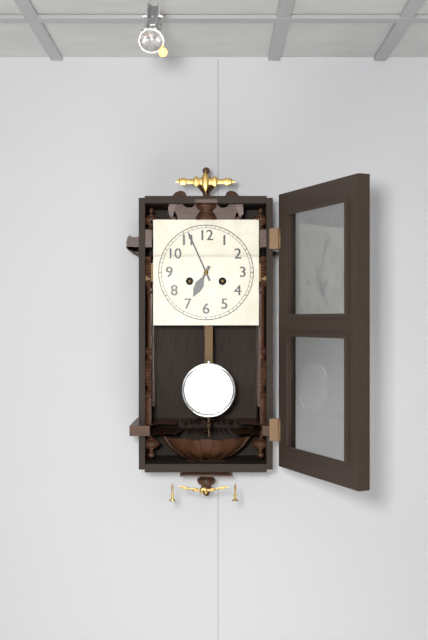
6:56
